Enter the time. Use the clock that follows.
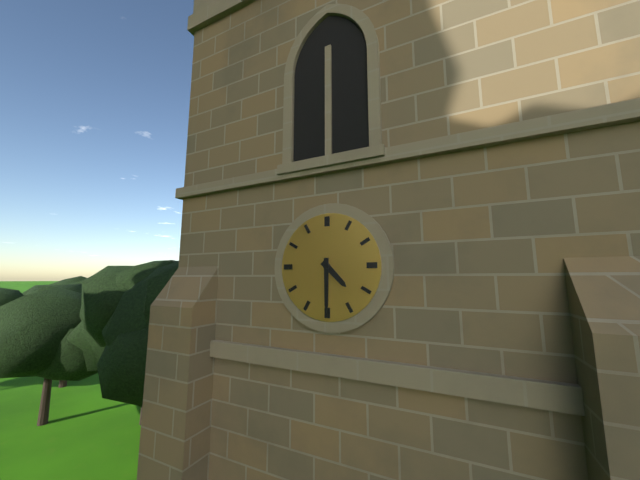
4:30
